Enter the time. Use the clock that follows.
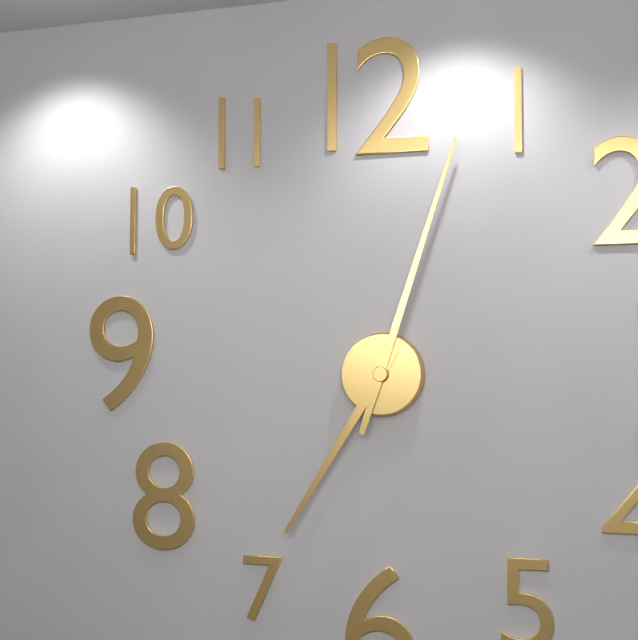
7:03
